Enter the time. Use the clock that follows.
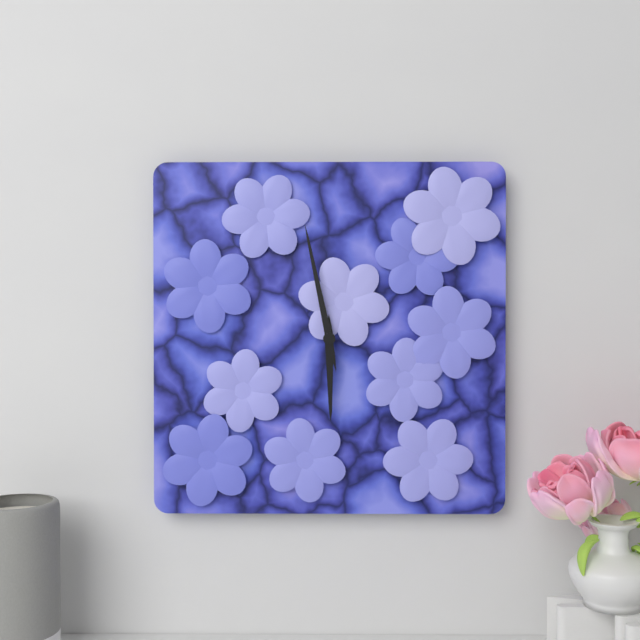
5:58
